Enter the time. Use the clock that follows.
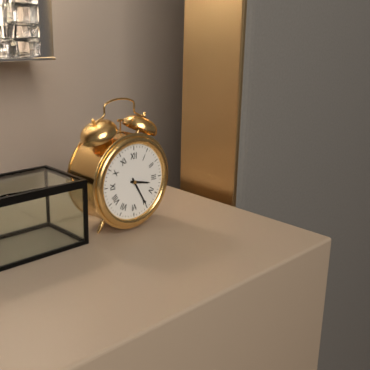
3:25
